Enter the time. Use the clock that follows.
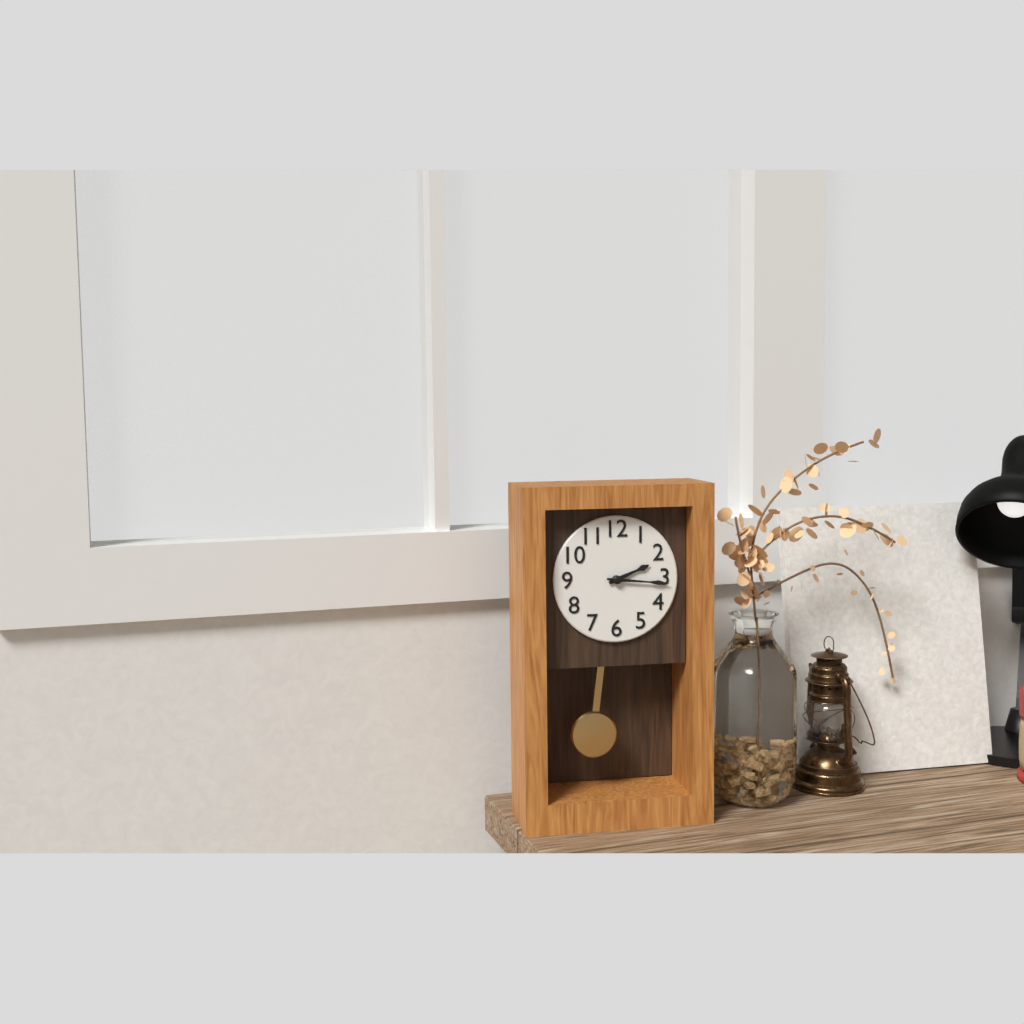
2:16
